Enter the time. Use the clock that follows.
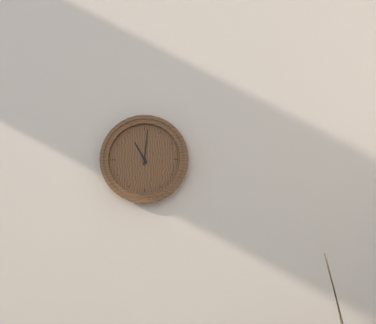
11:01
